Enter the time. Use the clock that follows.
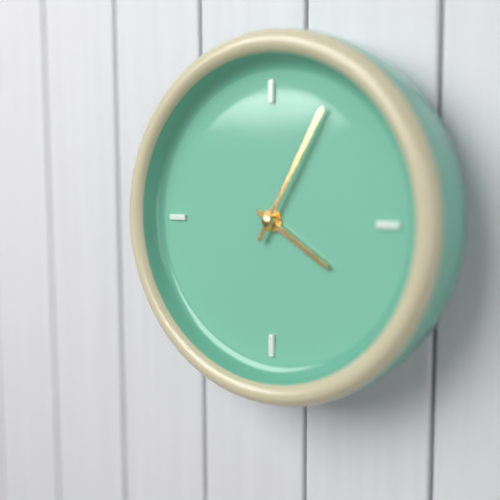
4:05
